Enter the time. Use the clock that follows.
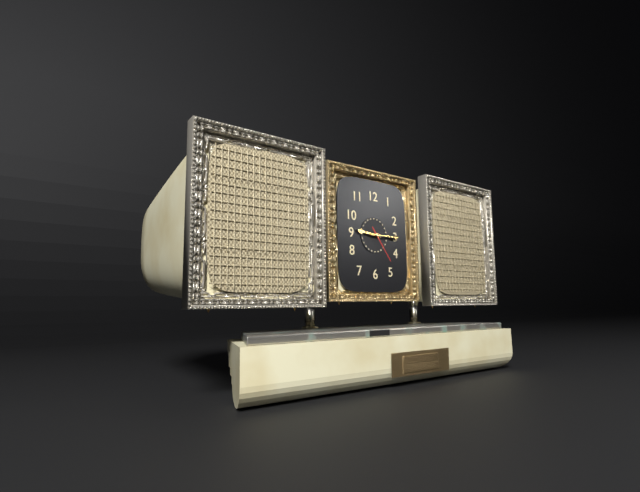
9:15
